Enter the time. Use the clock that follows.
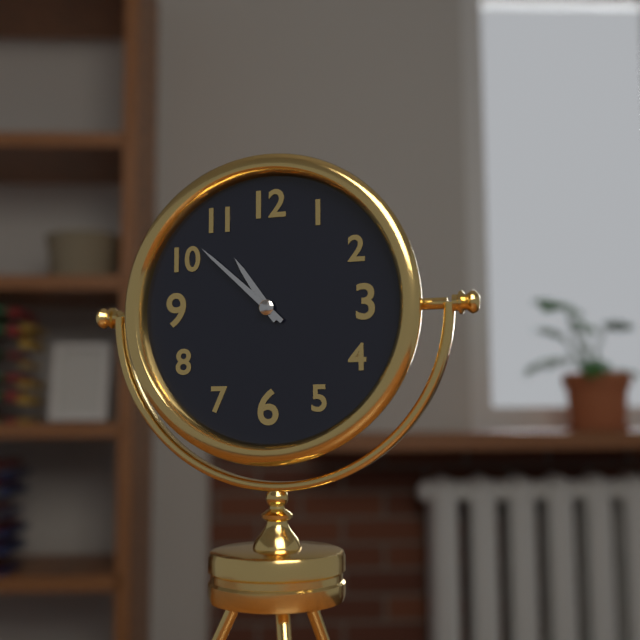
10:52
